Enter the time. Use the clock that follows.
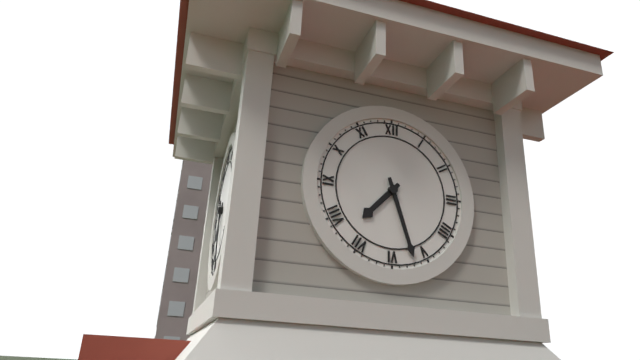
7:27
